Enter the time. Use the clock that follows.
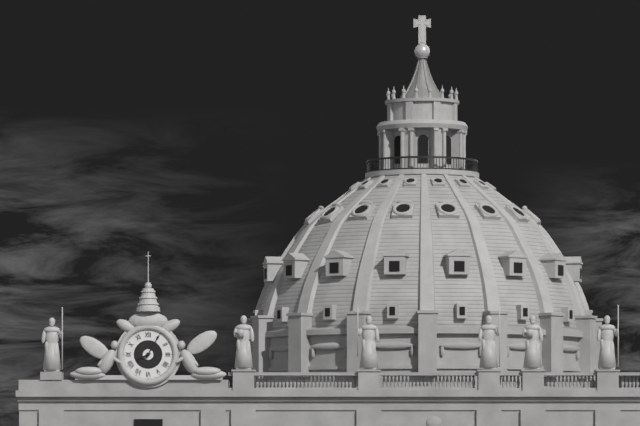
8:05
